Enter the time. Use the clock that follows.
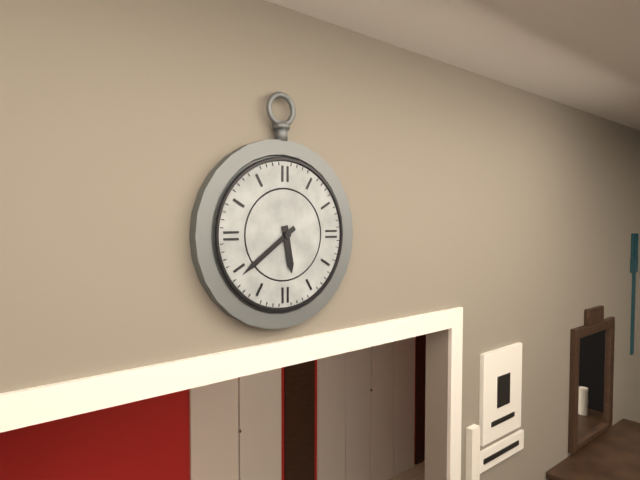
5:39
